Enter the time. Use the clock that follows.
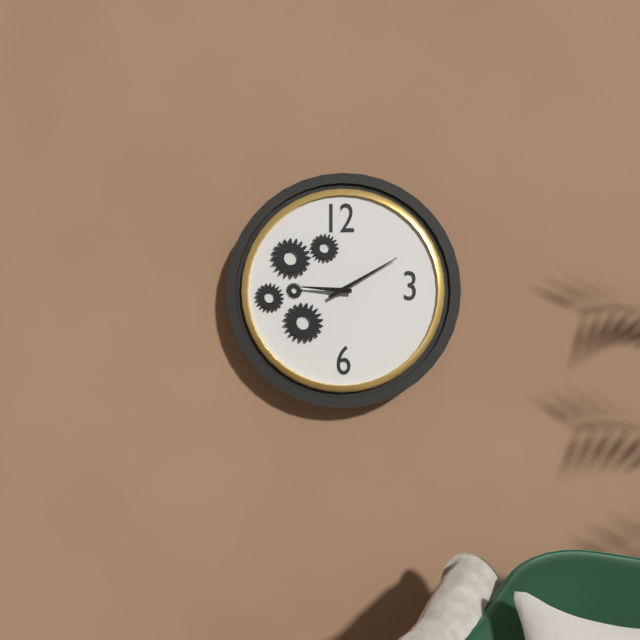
9:10
